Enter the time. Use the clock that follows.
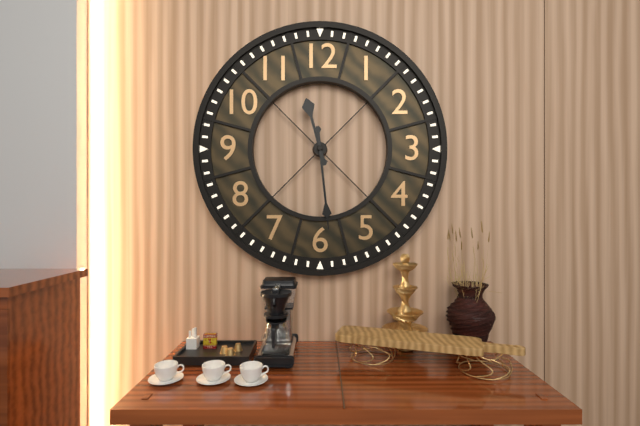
11:29
